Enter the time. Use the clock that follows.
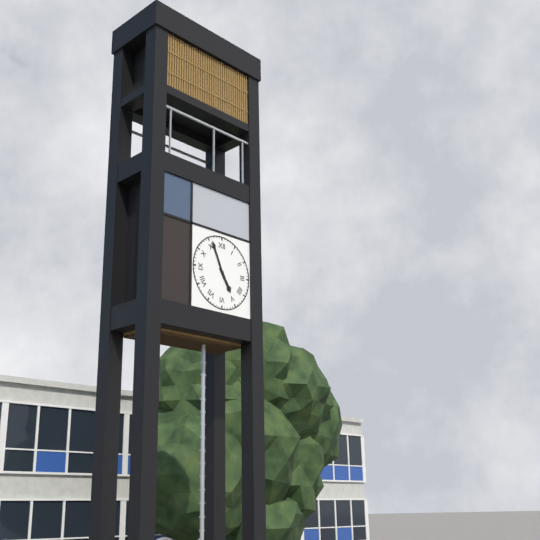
4:56
